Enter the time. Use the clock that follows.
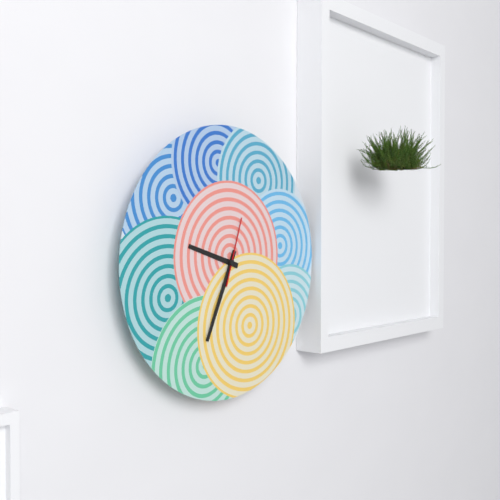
9:34:03
